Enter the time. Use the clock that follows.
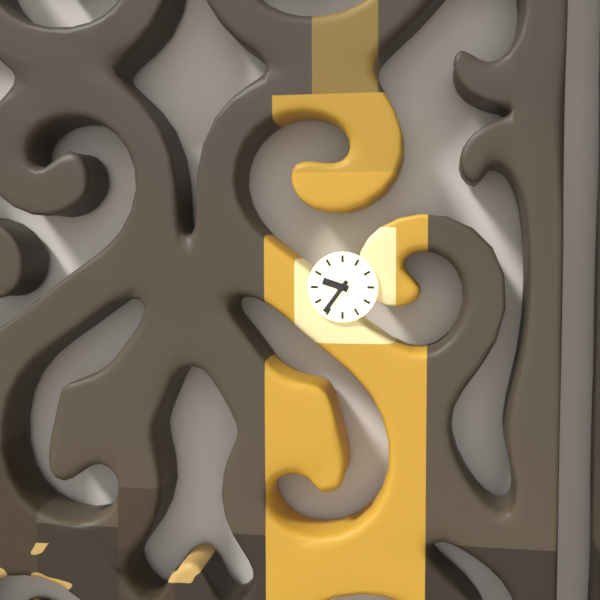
9:36
